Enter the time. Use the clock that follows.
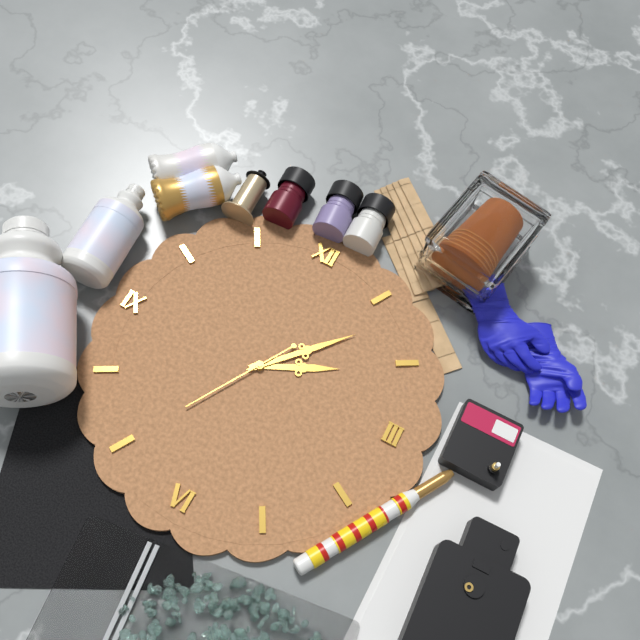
2:07:35
